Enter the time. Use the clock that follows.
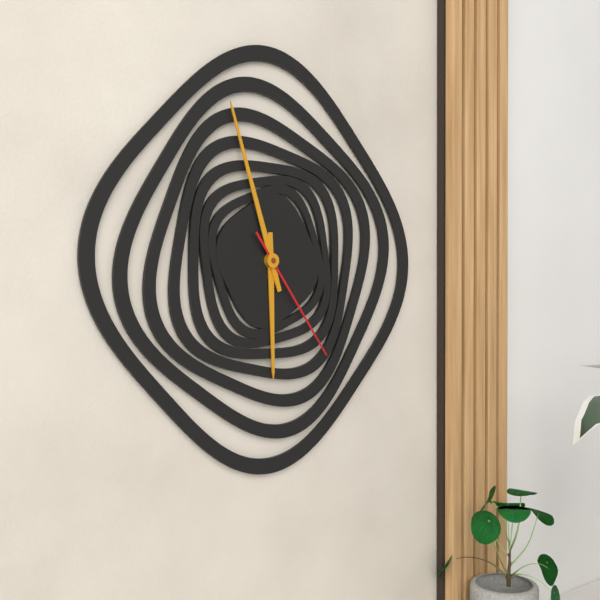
5:57:24
